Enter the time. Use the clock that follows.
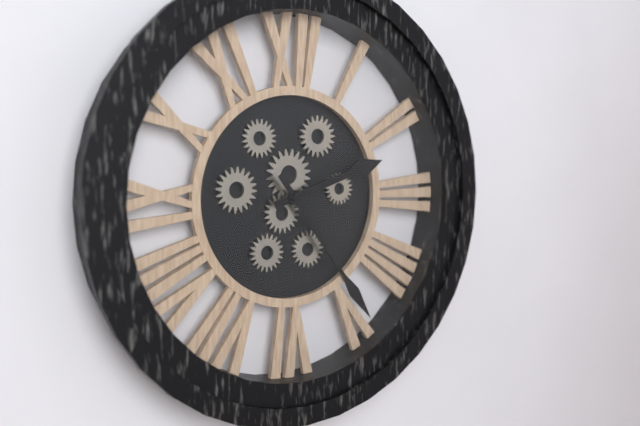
2:24
